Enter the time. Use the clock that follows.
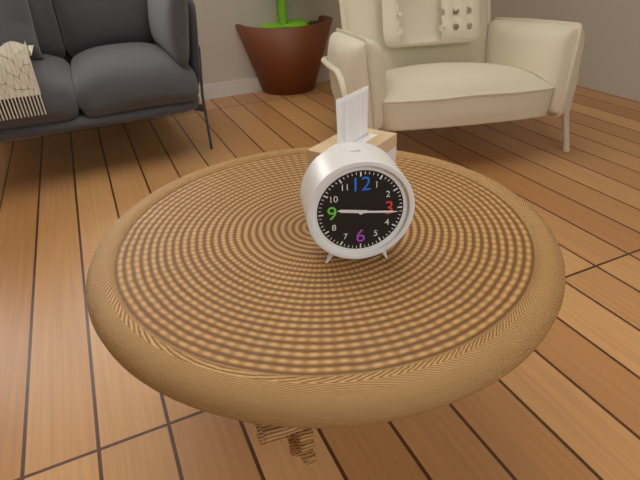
9:16
